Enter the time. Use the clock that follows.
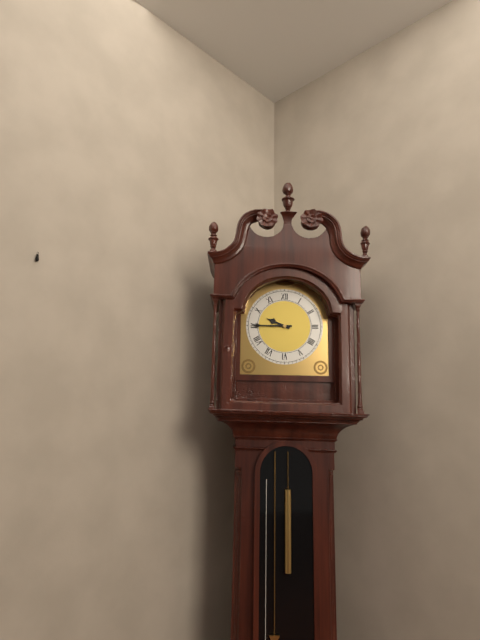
9:45
